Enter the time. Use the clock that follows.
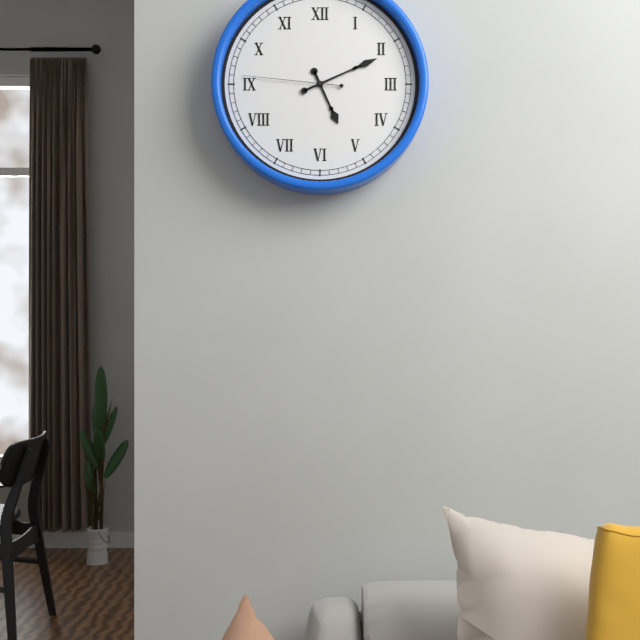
5:11:46
